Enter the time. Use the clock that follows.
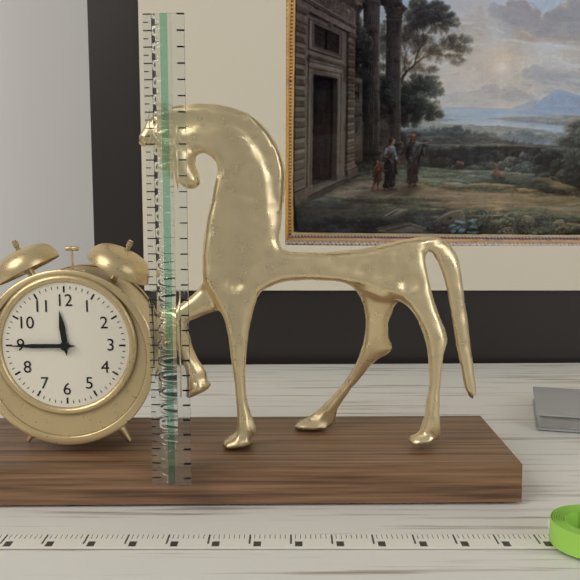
11:45
